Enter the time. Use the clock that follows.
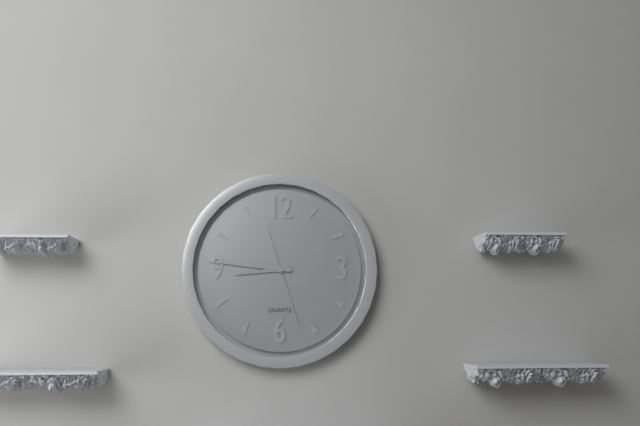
8:46:27
